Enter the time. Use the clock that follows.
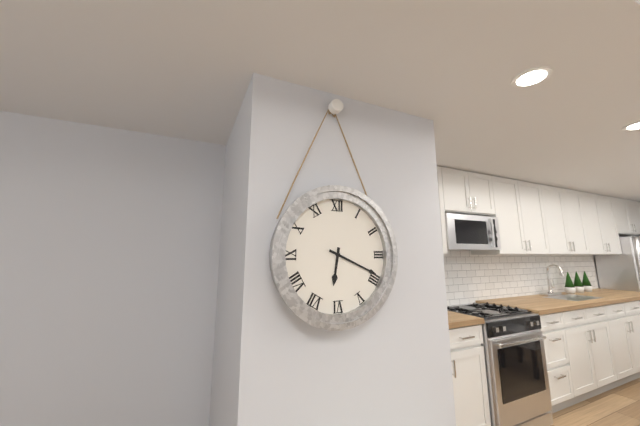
6:19
